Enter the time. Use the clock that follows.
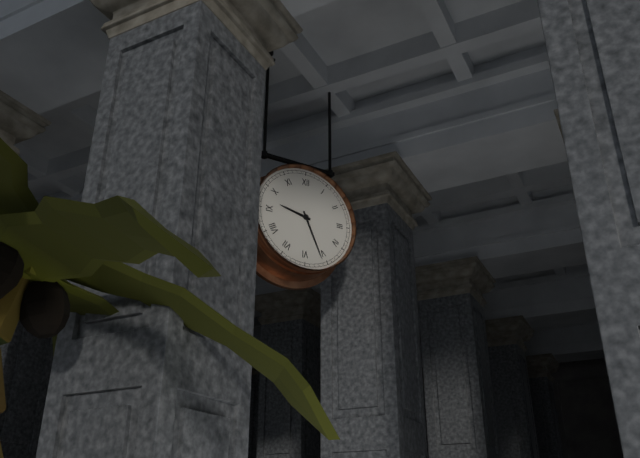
9:26
